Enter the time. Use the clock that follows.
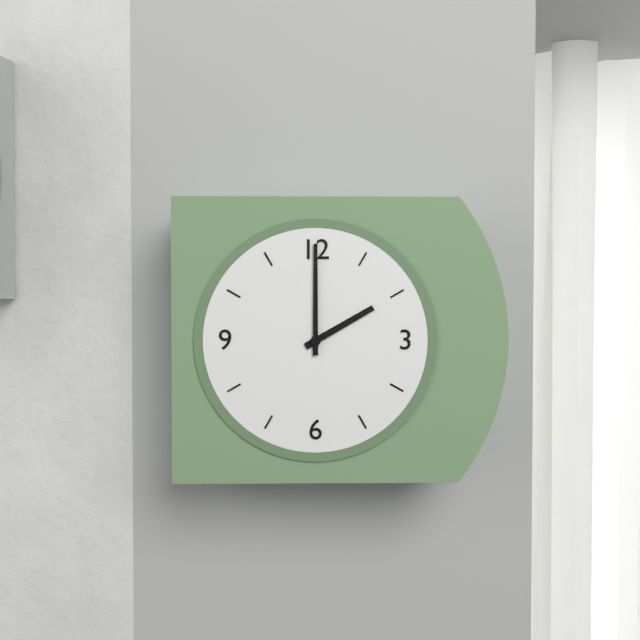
2:00
